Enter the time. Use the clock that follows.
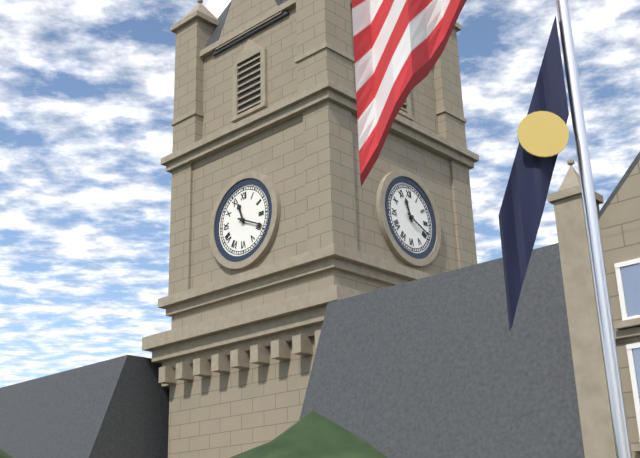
11:19
